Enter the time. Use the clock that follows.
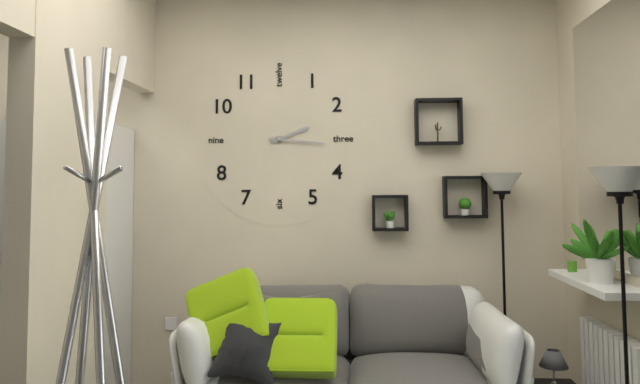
2:16
